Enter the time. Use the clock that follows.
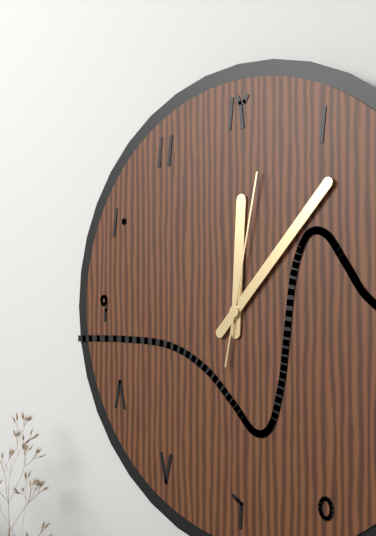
12:07:02
